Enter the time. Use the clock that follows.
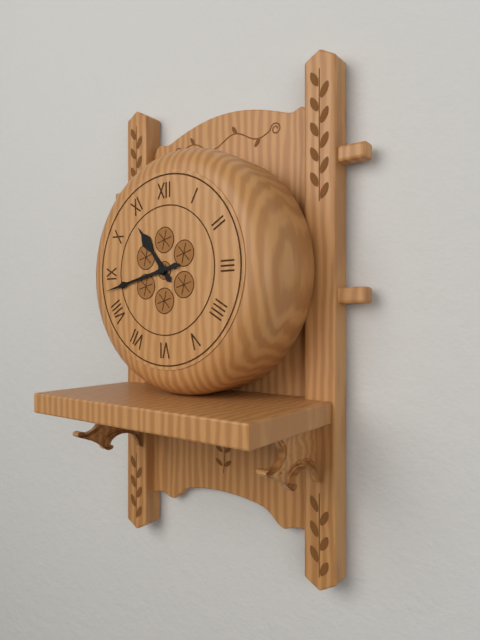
10:43
